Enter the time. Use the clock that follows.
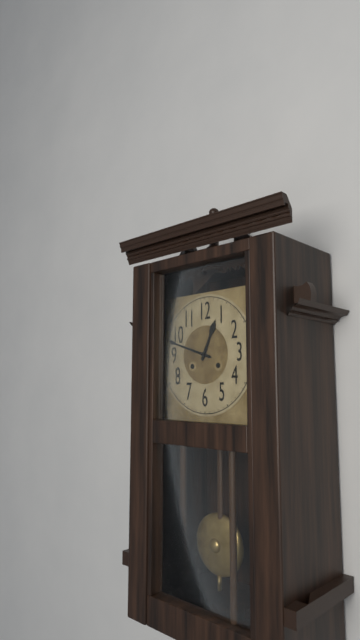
12:48
